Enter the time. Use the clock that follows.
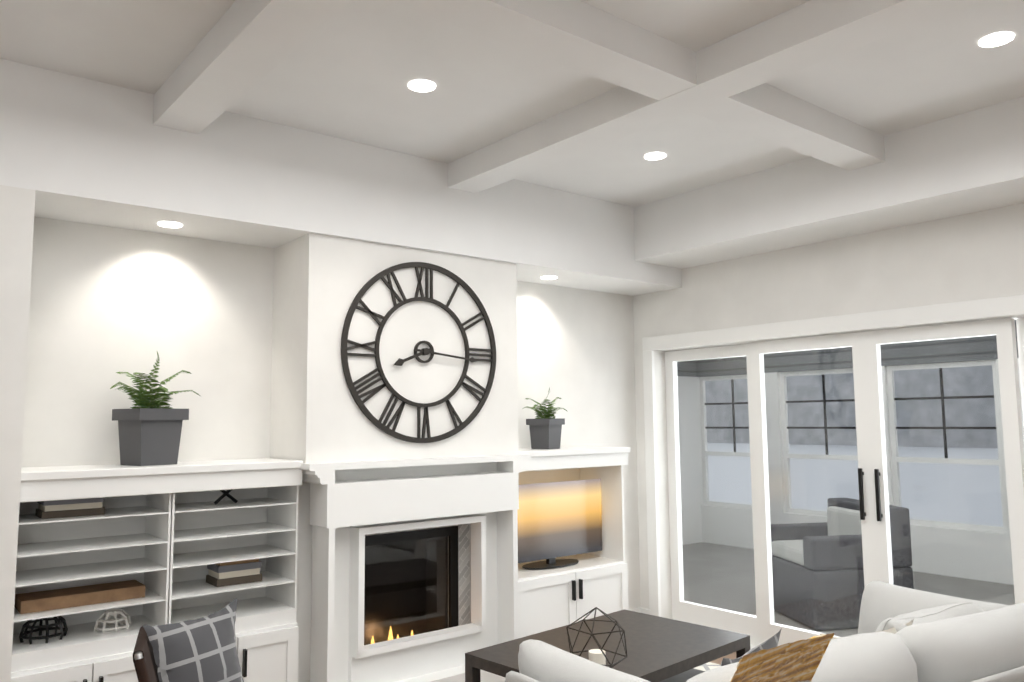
8:16
